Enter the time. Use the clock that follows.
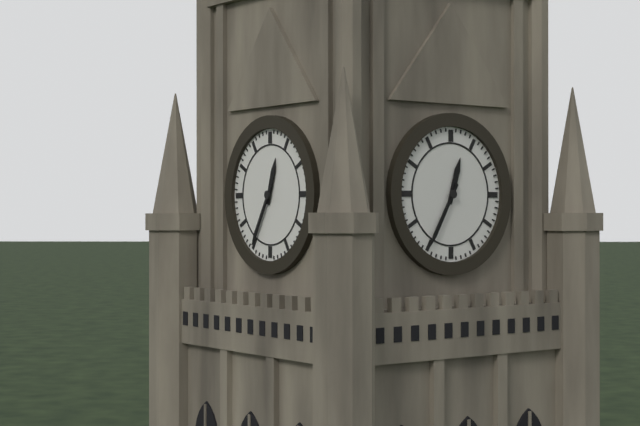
12:35
